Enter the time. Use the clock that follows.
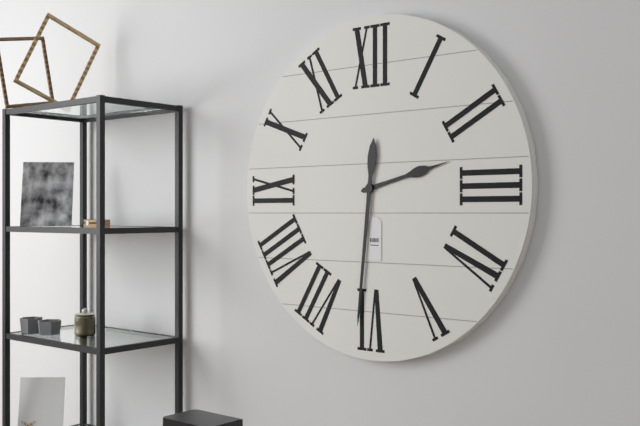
2:31
